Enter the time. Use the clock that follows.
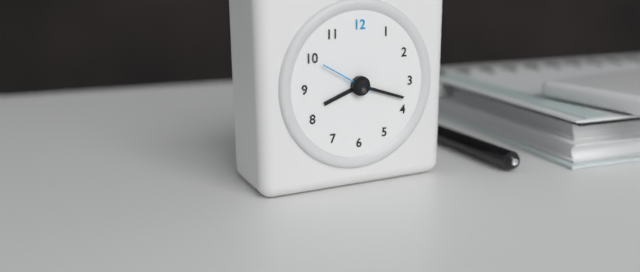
8:18:50
